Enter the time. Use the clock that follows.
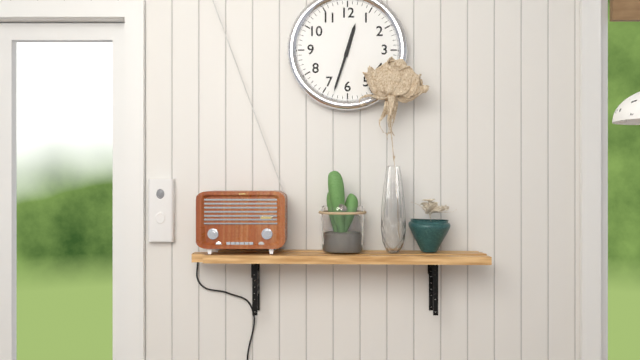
12:33
